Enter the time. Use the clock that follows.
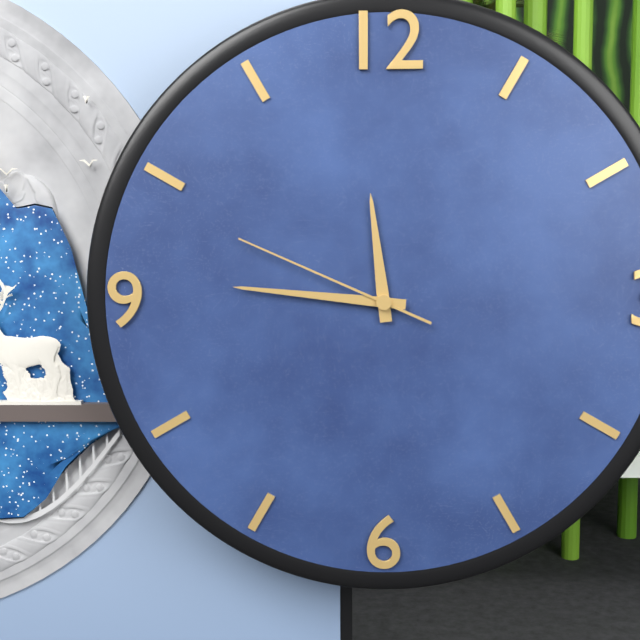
11:46:49
